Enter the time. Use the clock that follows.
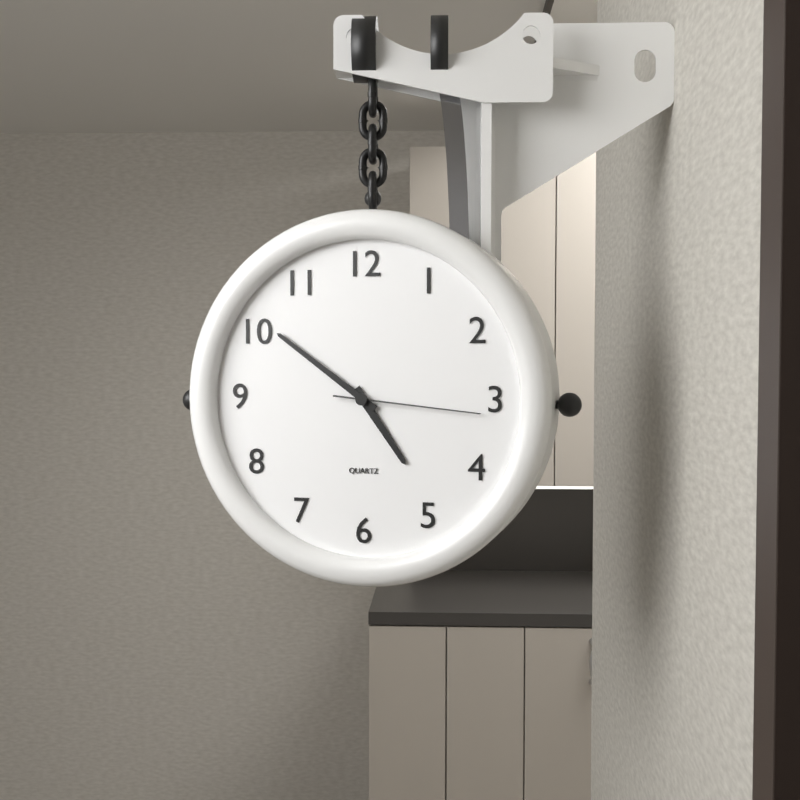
4:51:16
